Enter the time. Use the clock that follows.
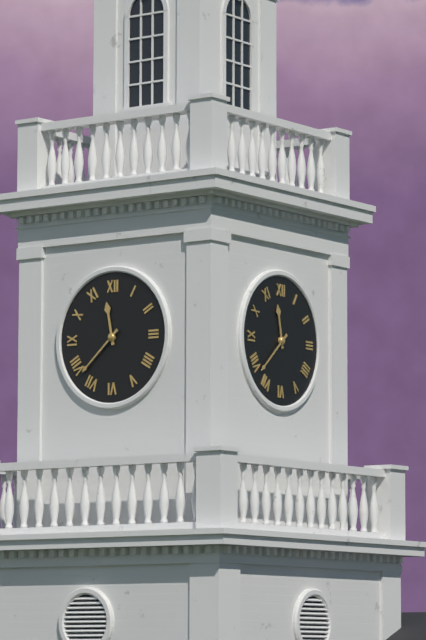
11:38
